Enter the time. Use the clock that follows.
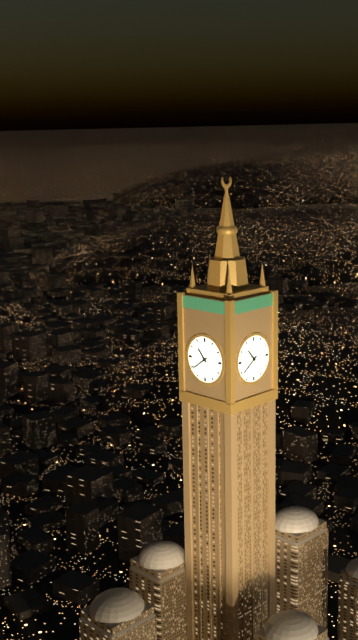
10:39
